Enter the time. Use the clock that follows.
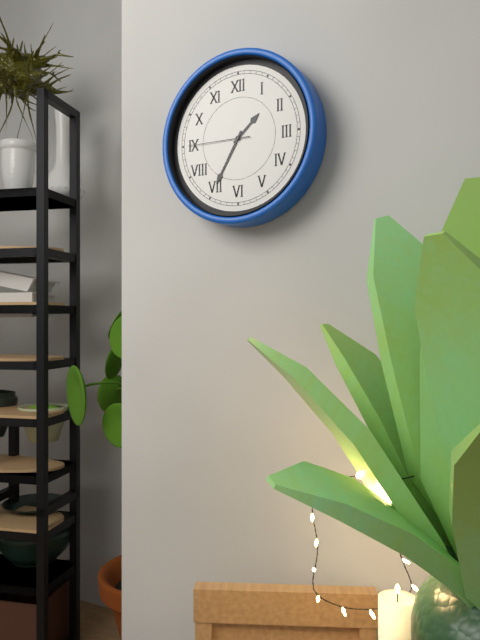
1:35:45
